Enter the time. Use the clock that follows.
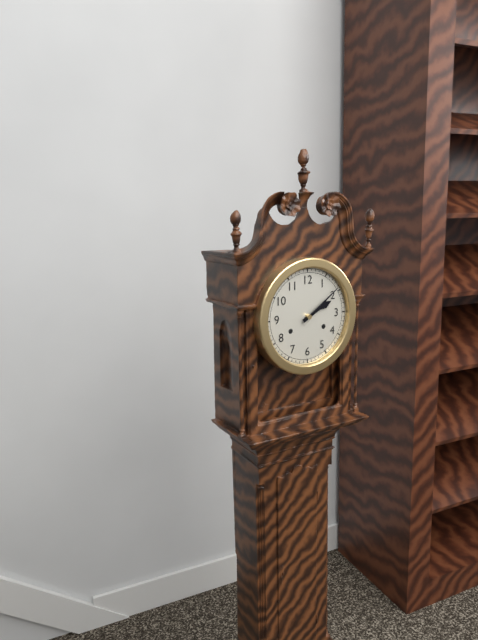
2:09
